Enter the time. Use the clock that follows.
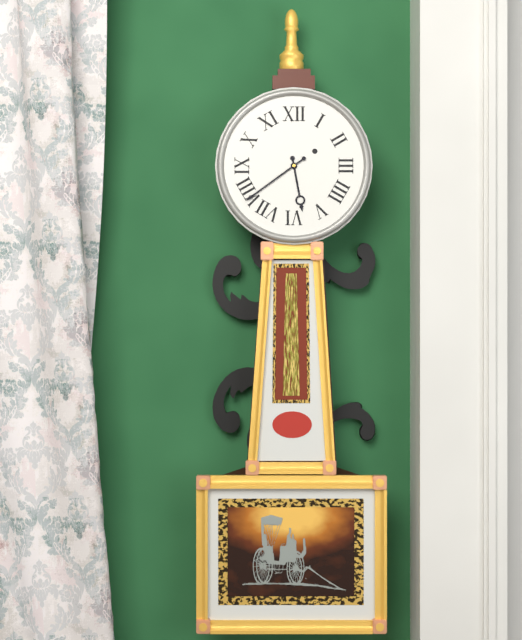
5:39
